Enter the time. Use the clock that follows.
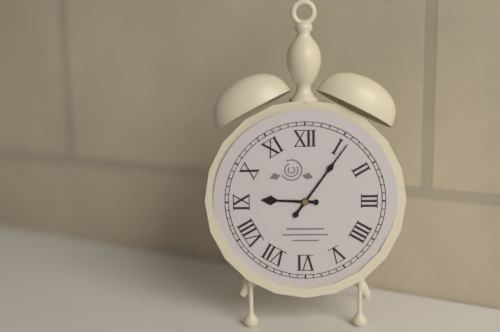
9:06
